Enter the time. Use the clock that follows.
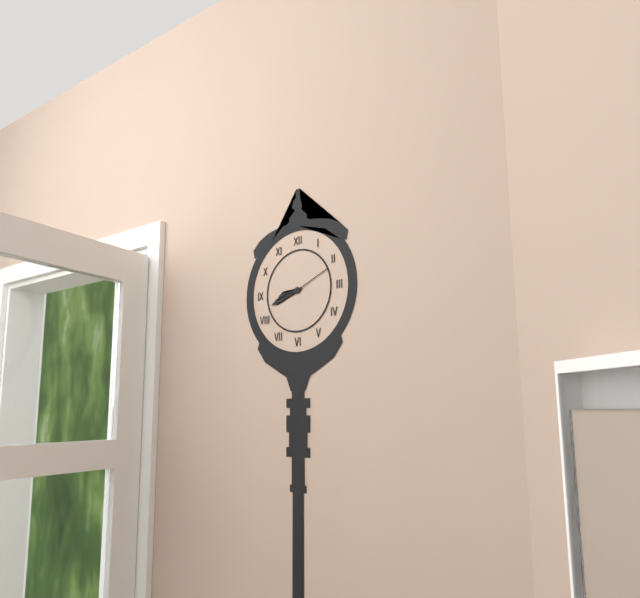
8:42
